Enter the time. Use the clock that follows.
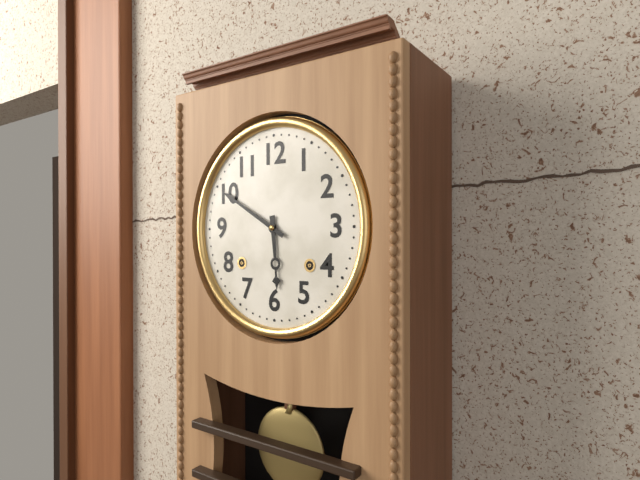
5:50
